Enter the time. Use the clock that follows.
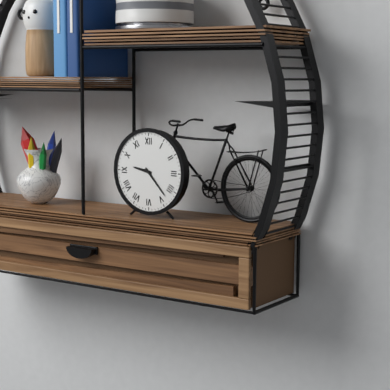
9:23
